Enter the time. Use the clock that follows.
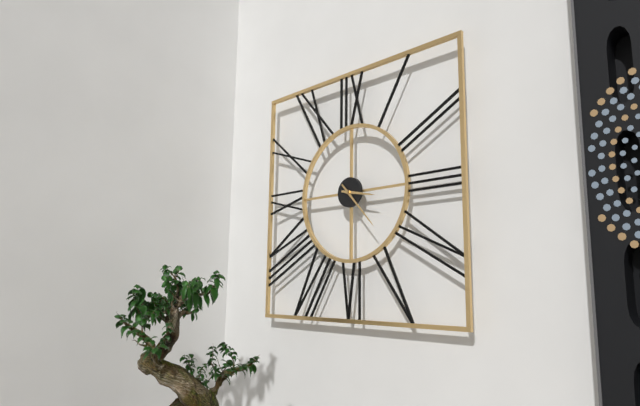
3:23
